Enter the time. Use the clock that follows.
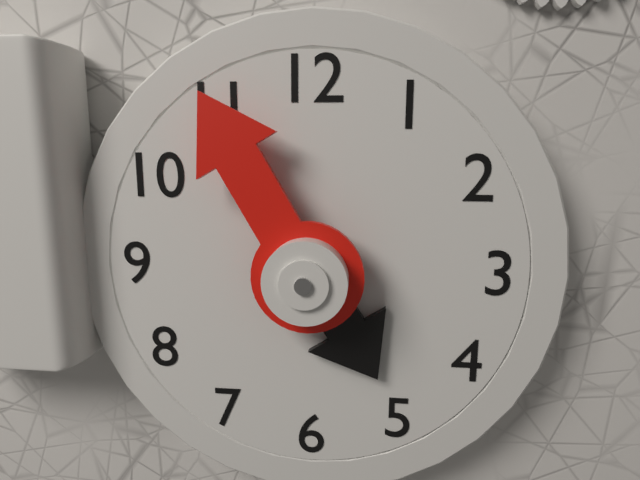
4:55
